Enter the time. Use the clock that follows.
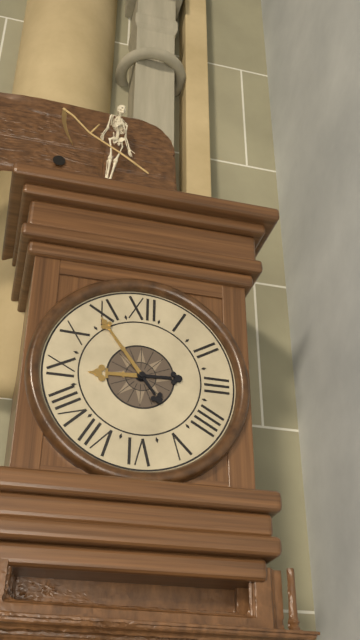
8:54
